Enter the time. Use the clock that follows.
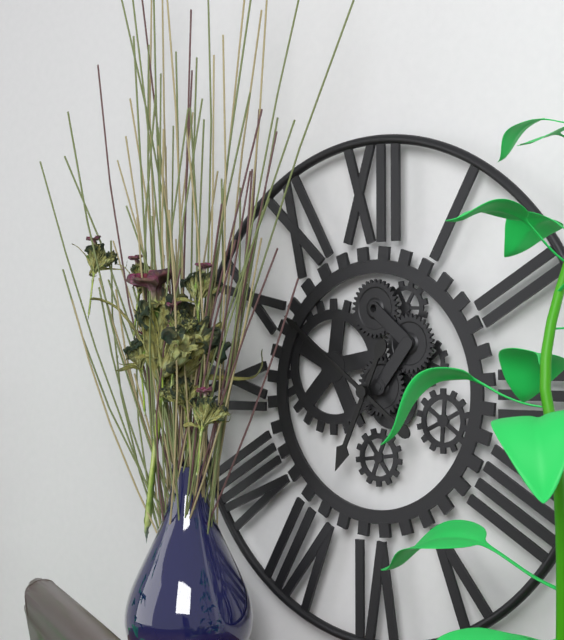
6:51
